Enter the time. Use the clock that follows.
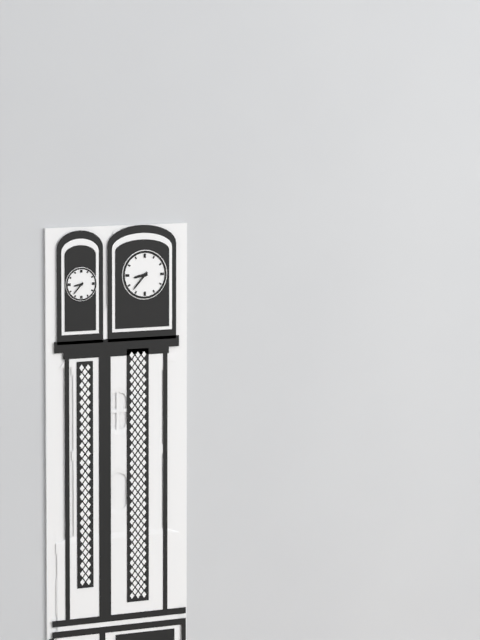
8:37
